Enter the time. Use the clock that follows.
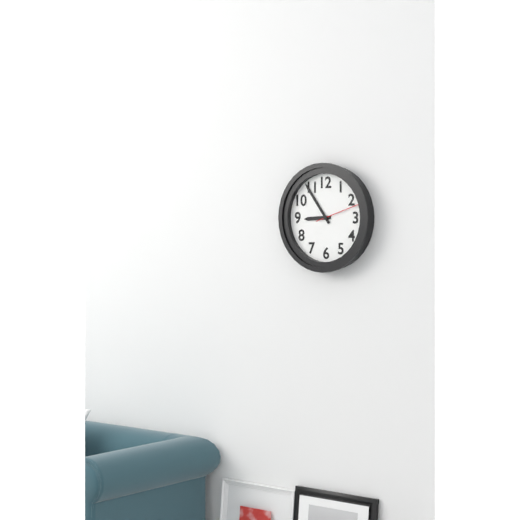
8:54
